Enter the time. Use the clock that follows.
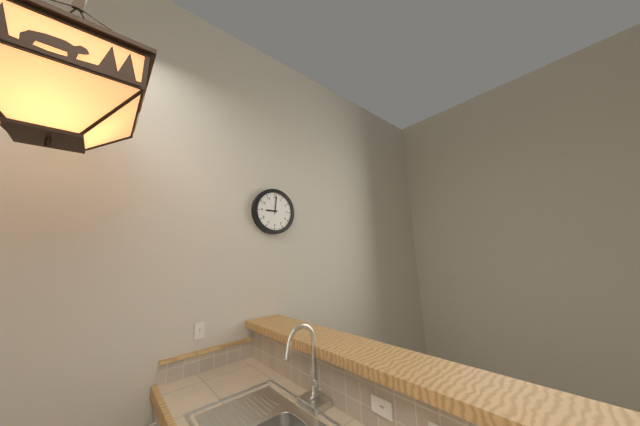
9:01
